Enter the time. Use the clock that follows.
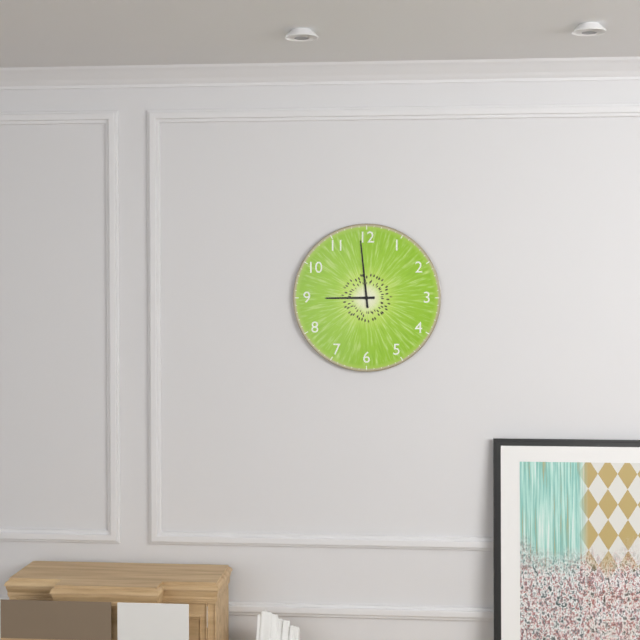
8:59
